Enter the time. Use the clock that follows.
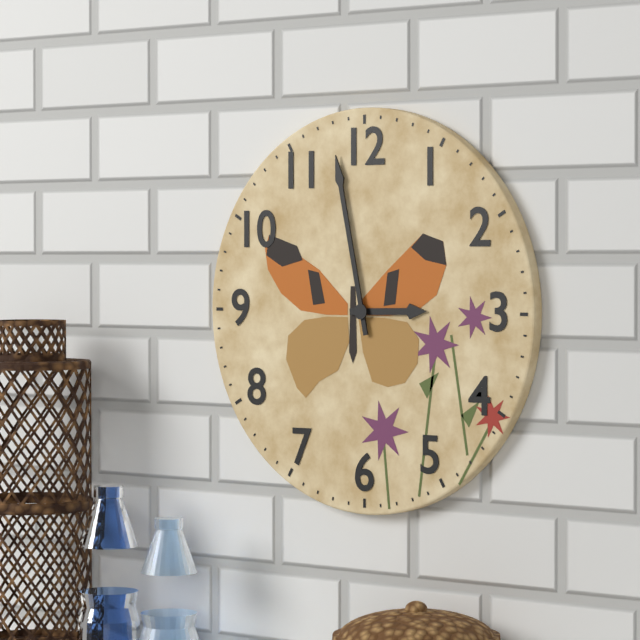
2:58
